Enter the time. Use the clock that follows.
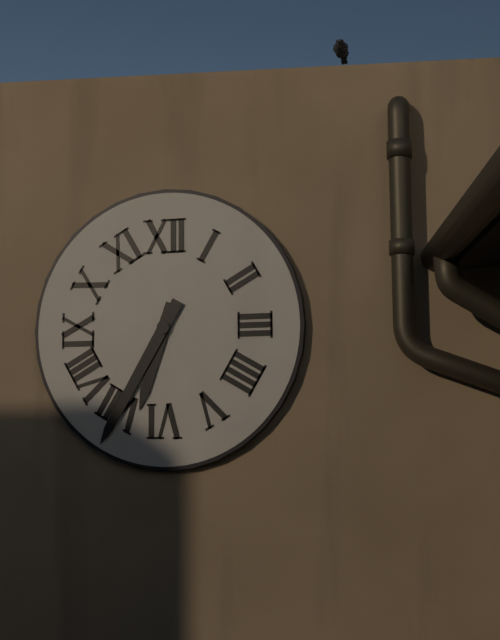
6:35
